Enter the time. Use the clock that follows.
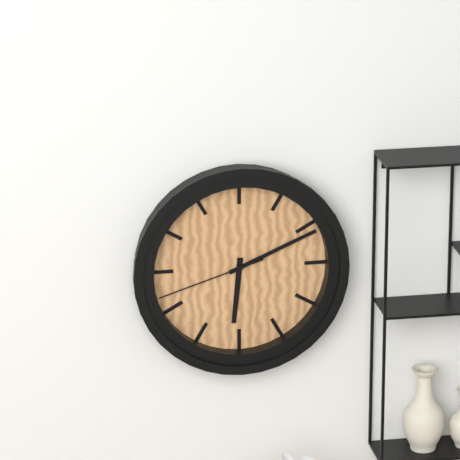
6:11:42
